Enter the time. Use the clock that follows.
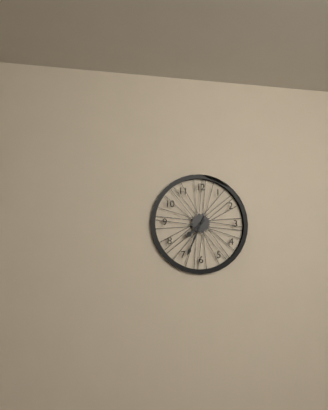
7:34
